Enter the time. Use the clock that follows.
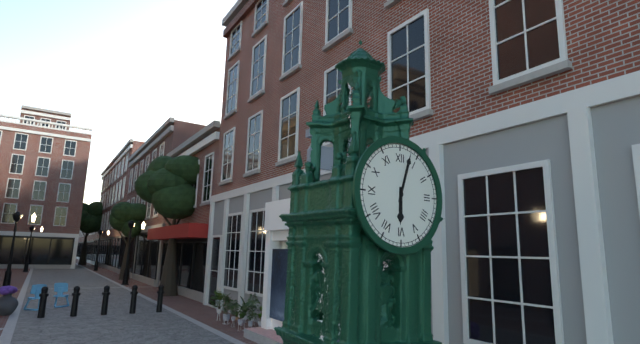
6:03
